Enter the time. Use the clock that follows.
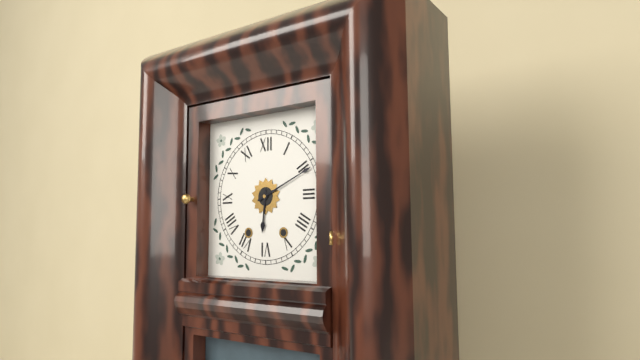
6:11
